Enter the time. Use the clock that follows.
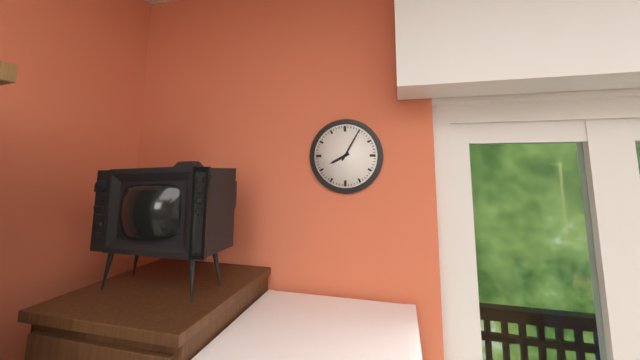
8:05
